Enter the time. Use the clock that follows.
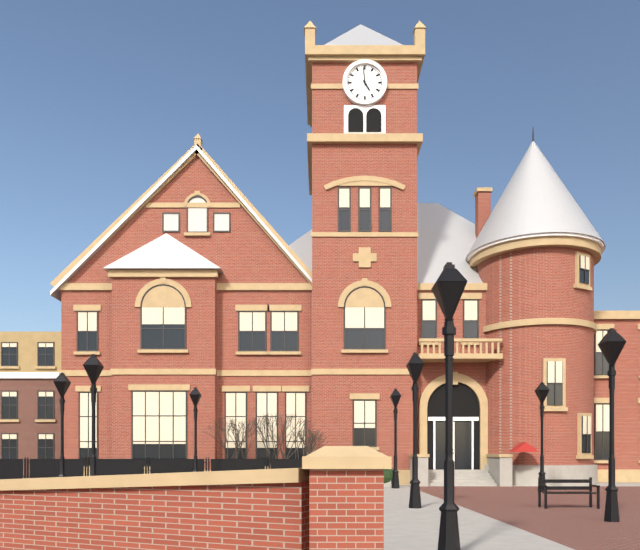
4:59
